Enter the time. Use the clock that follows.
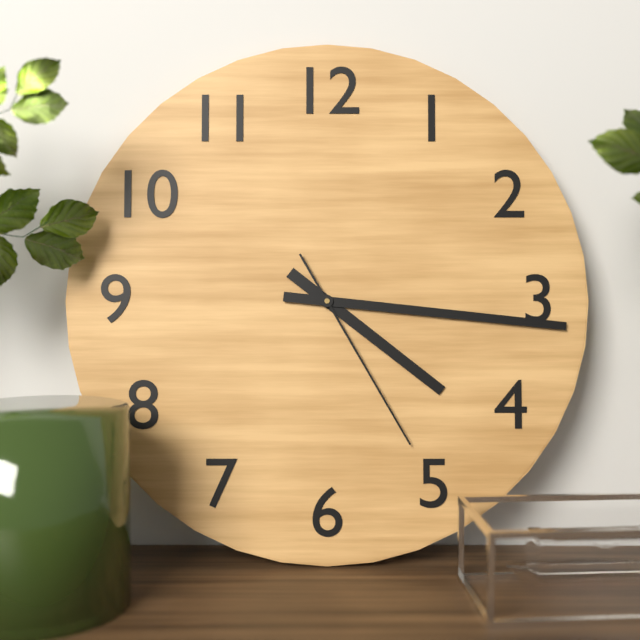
4:16:25
